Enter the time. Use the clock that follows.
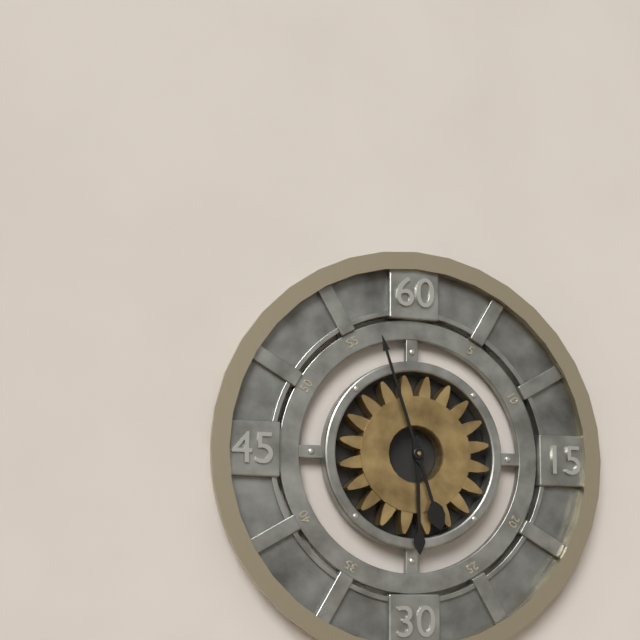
5:57
